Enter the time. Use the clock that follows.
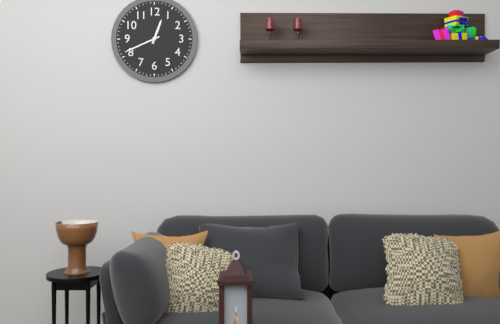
12:41
